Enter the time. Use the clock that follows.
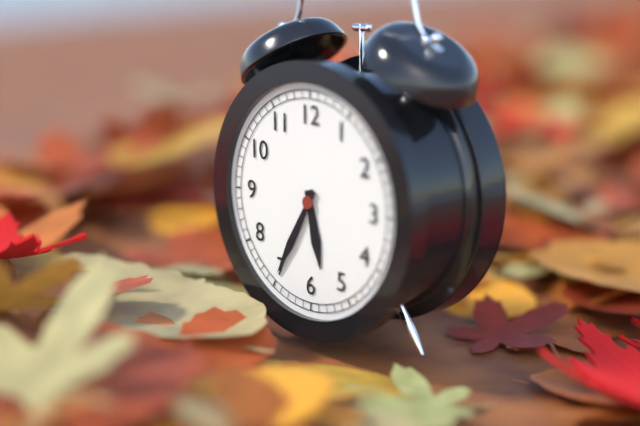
5:35
